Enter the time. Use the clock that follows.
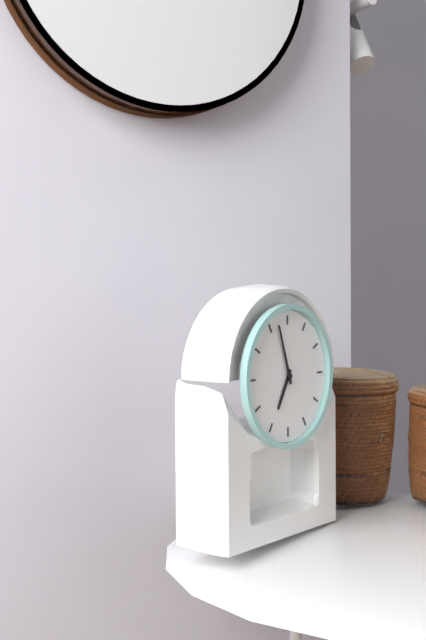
6:57
